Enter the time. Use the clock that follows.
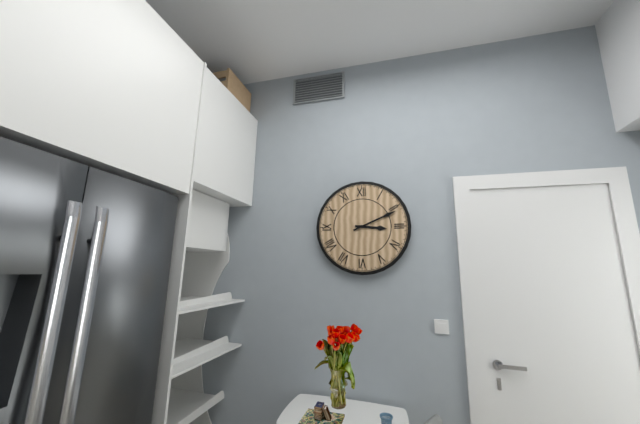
3:11
